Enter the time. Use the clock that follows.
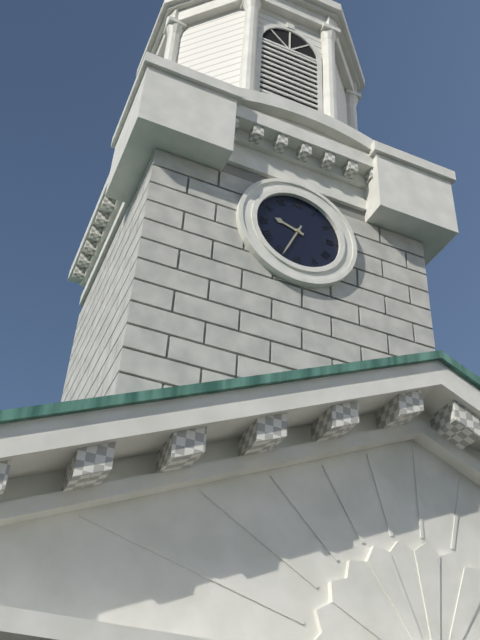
9:34
